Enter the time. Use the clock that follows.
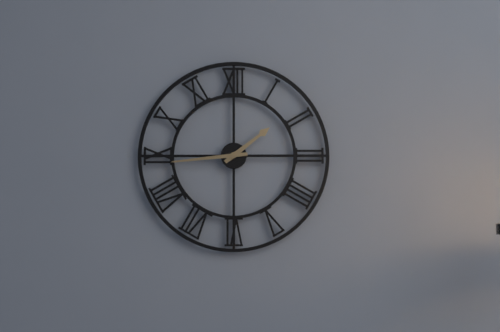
1:44
